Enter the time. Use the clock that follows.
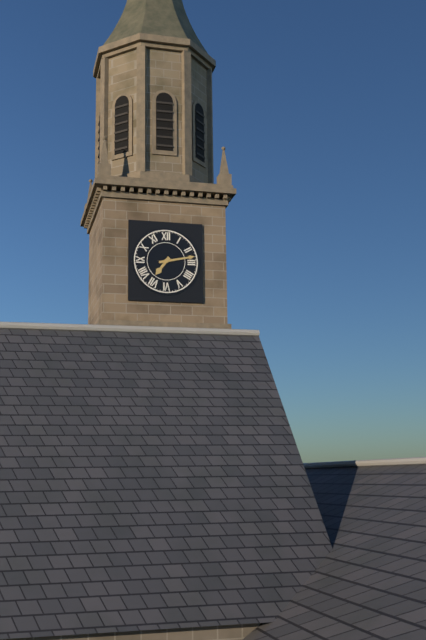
7:13
